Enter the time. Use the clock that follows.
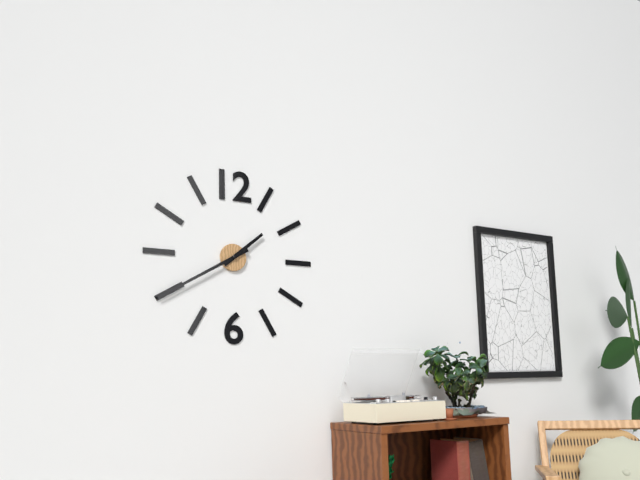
1:40
